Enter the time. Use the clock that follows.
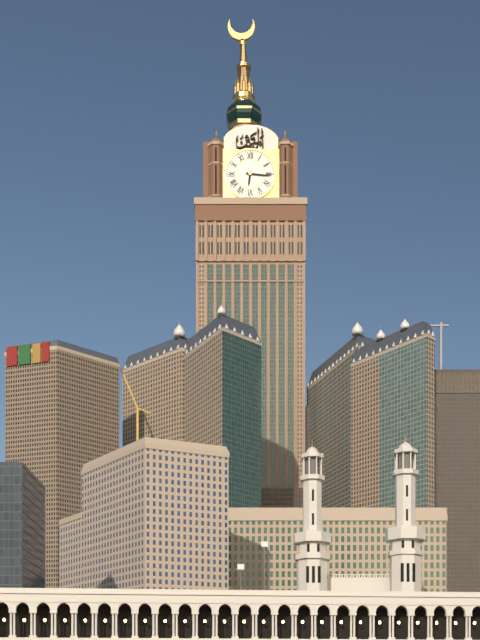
6:16
